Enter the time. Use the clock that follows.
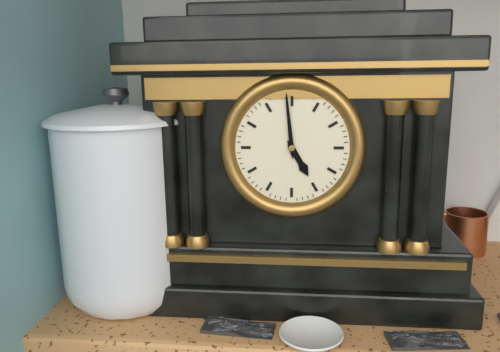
4:59
